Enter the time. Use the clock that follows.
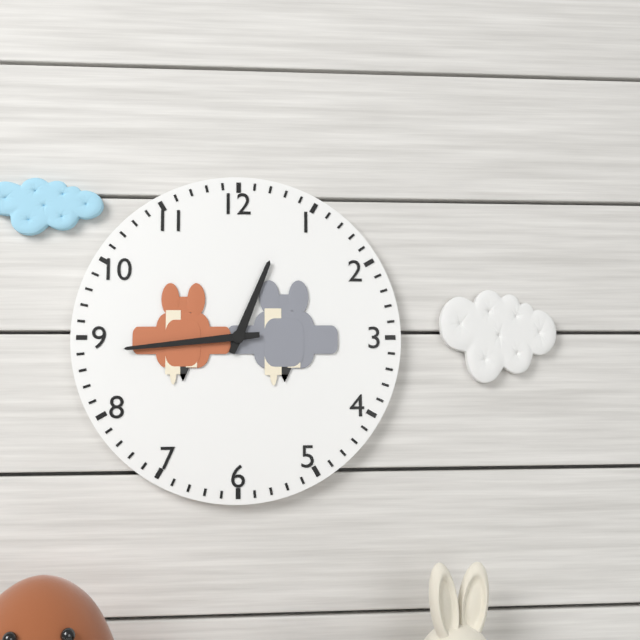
12:44
